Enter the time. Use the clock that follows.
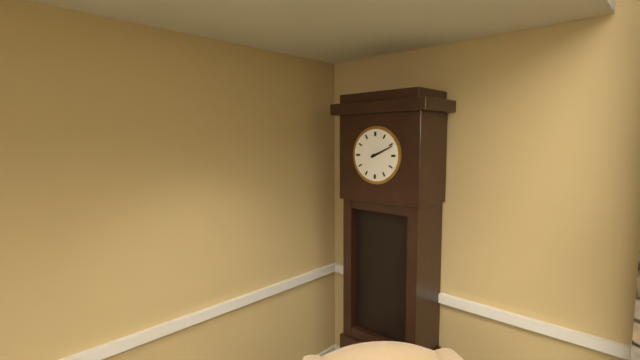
2:11
